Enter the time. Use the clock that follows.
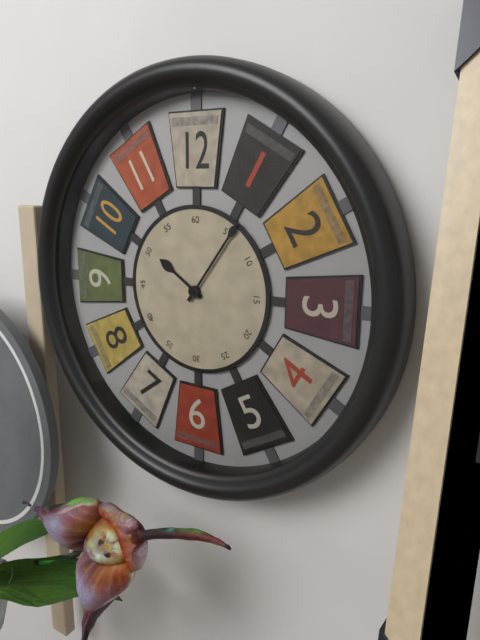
10:06
